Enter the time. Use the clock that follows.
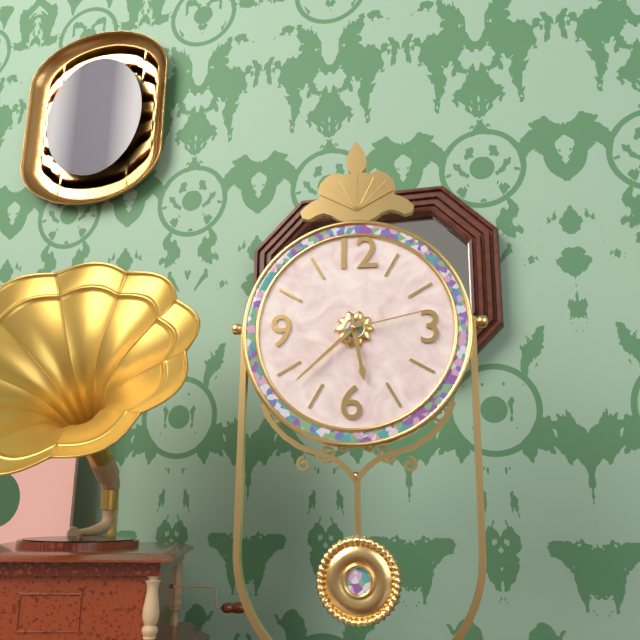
5:38:13
